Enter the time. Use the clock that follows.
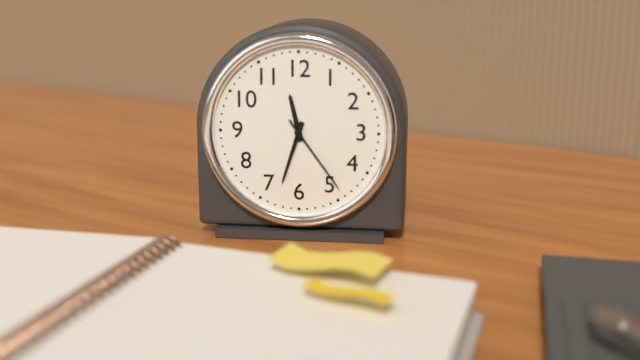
11:33:24
